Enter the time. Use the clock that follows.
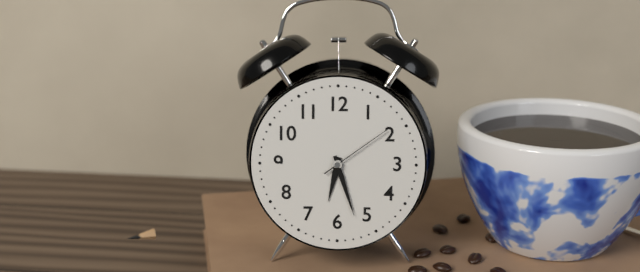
6:27:09
